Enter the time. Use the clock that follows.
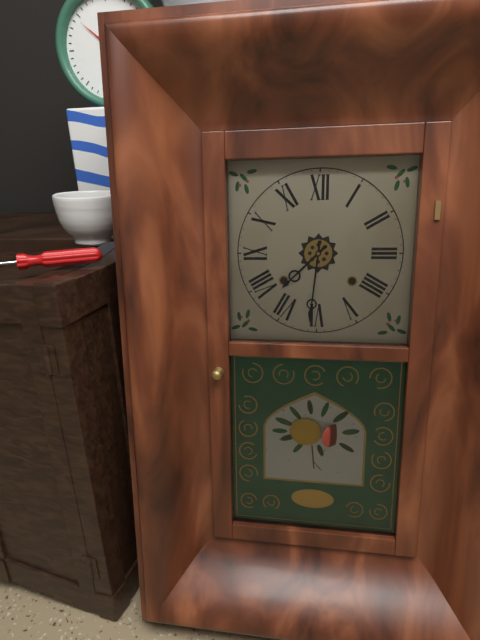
7:31
